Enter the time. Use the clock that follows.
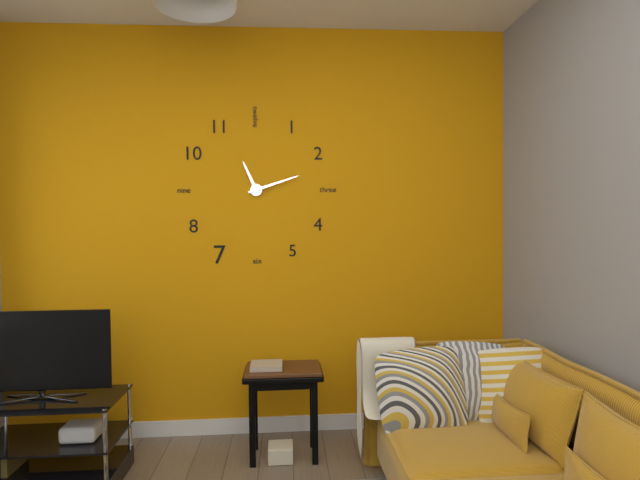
11:12
